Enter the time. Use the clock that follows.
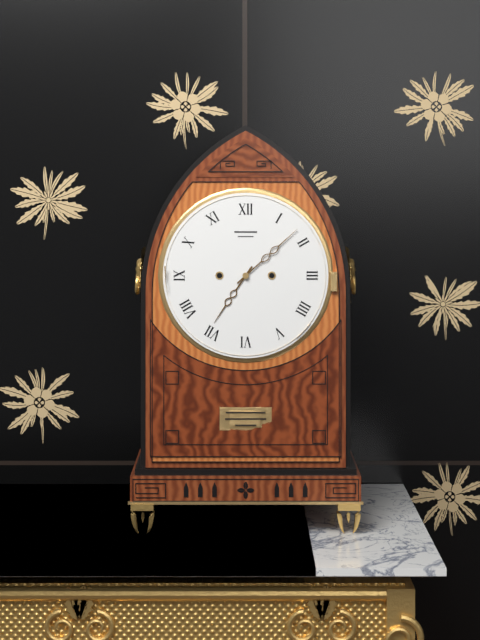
7:08
